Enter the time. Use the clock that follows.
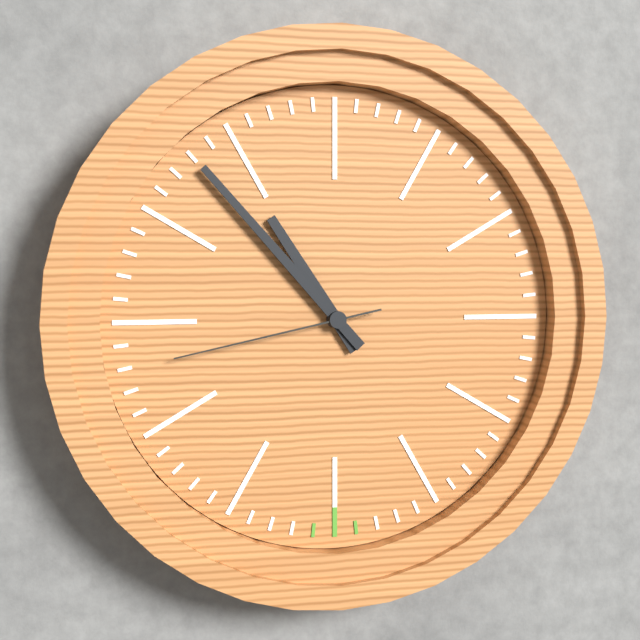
10:53:43
